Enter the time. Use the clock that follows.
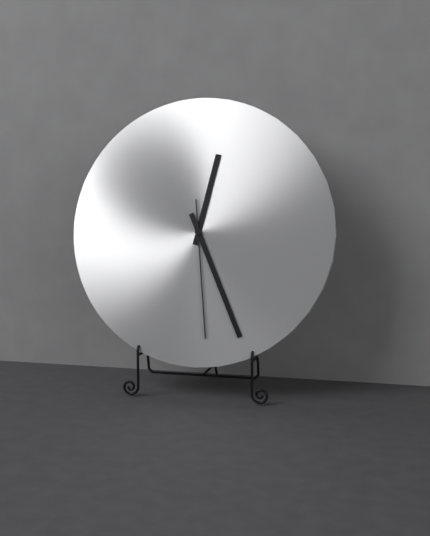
12:26:29
